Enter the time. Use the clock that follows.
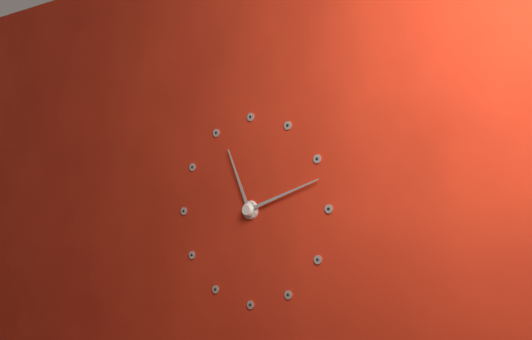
11:12
